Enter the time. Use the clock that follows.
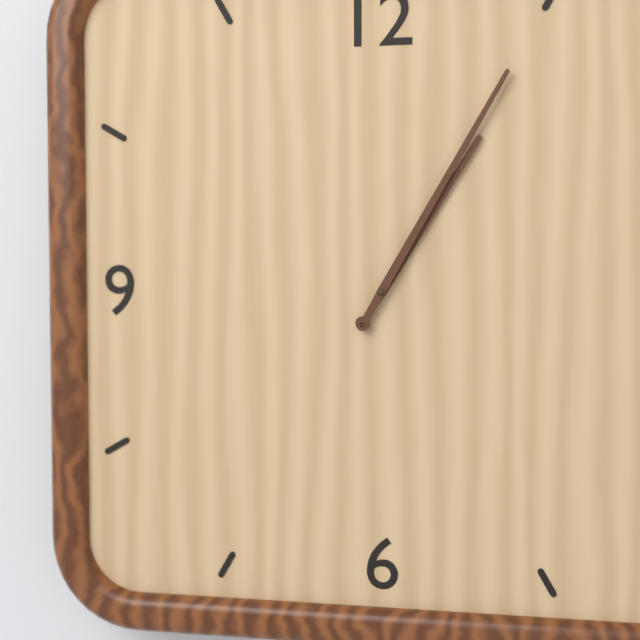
1:05
